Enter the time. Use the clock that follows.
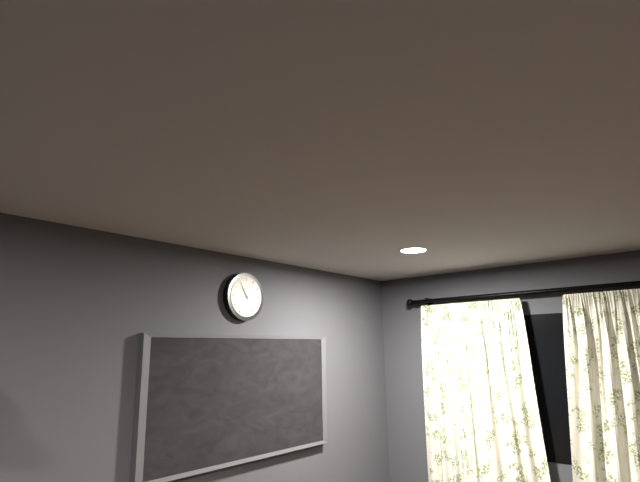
10:55
